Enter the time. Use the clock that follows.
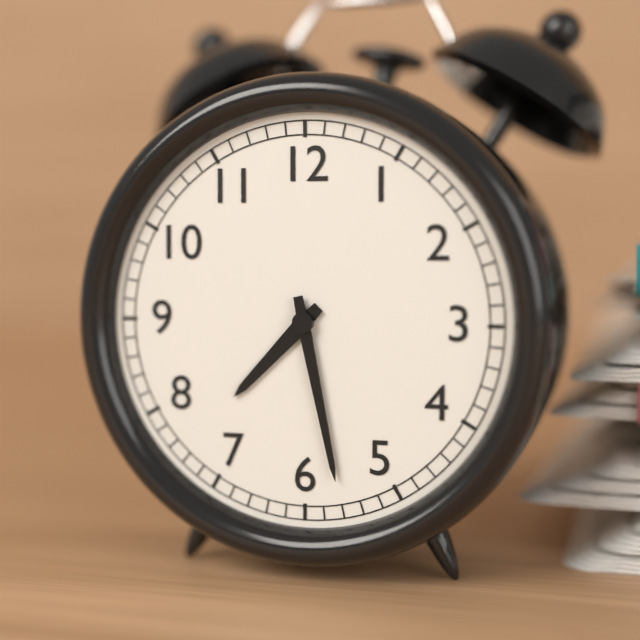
7:28
